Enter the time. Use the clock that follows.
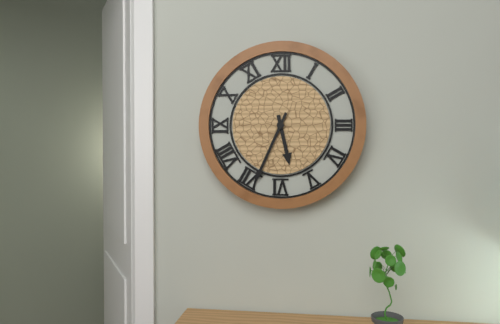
5:34
